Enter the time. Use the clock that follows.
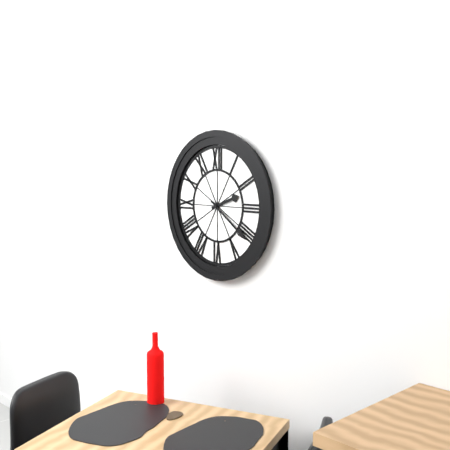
2:21
